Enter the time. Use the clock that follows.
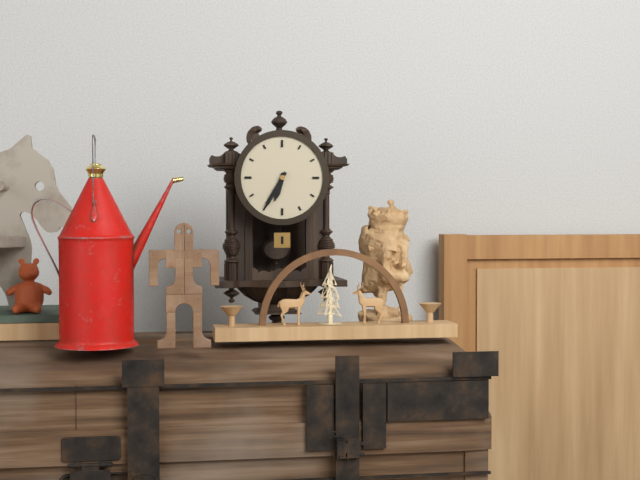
6:35
